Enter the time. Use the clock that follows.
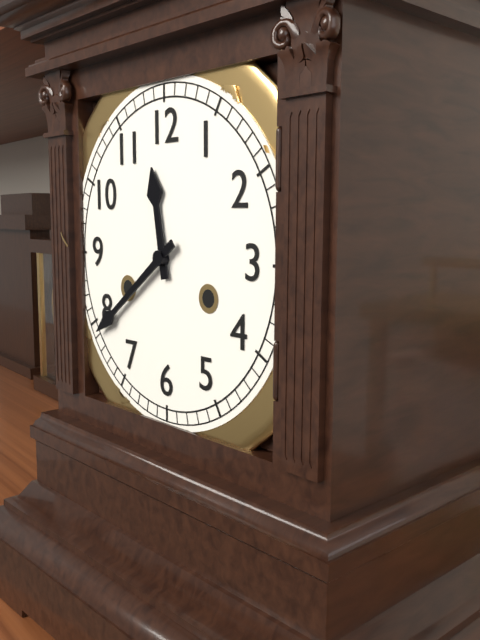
11:39
